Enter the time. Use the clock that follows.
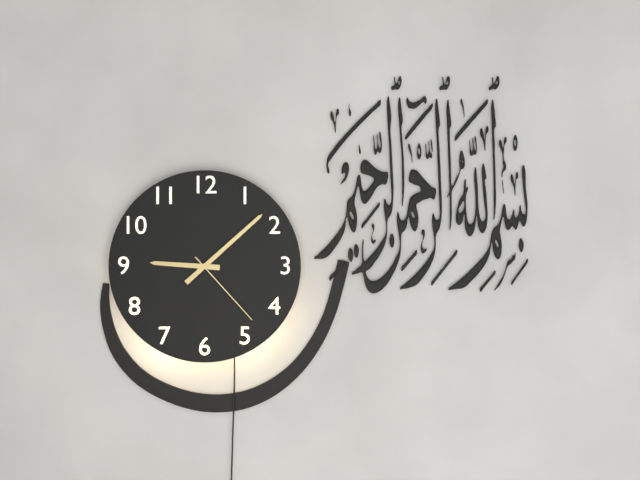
9:08:23
